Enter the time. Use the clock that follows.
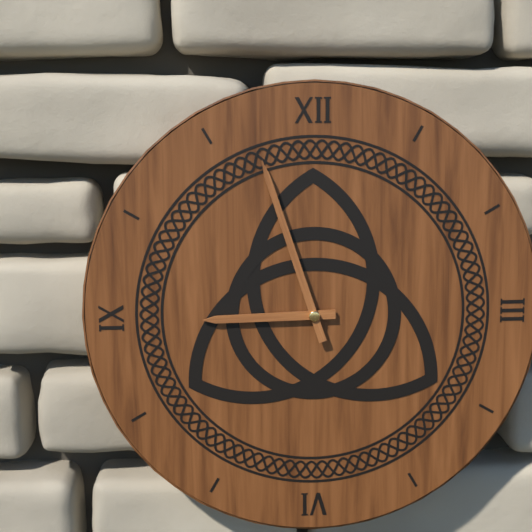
8:57
